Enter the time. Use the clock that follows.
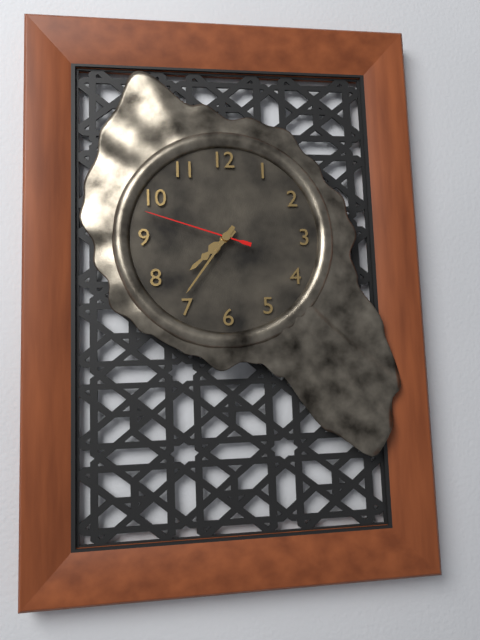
7:36:48
